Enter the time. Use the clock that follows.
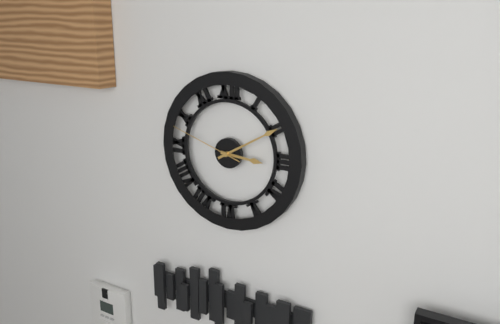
3:10:48
